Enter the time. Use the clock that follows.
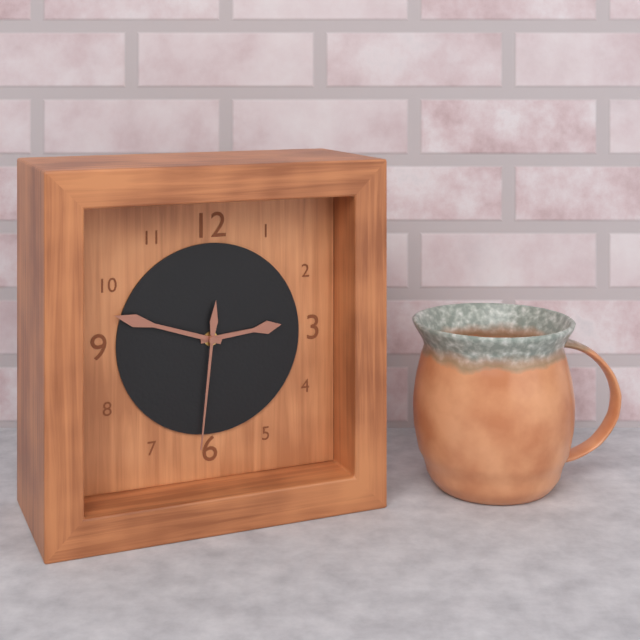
2:48:31
